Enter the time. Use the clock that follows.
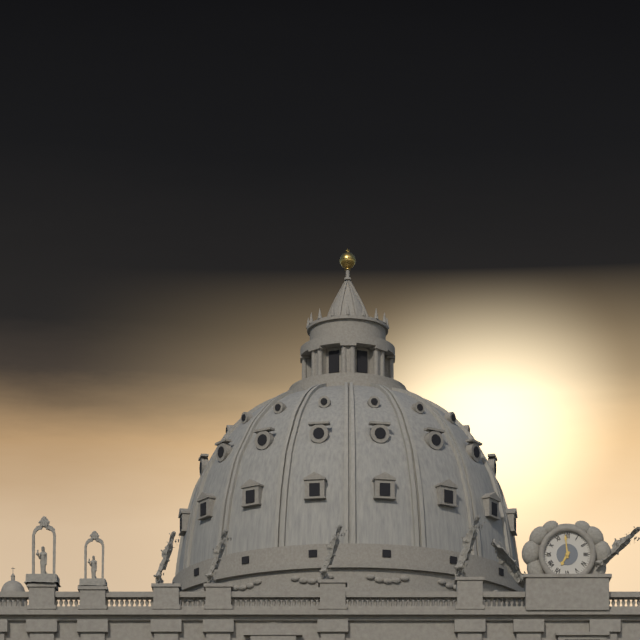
6:59
